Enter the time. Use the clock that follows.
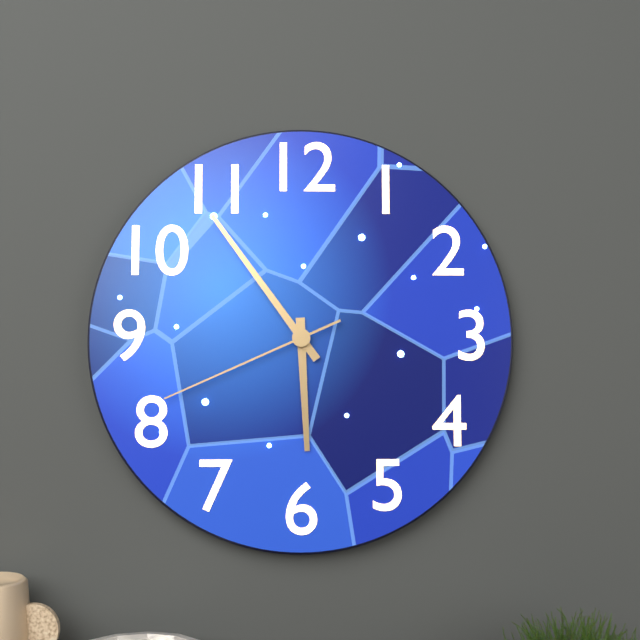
5:54:41
